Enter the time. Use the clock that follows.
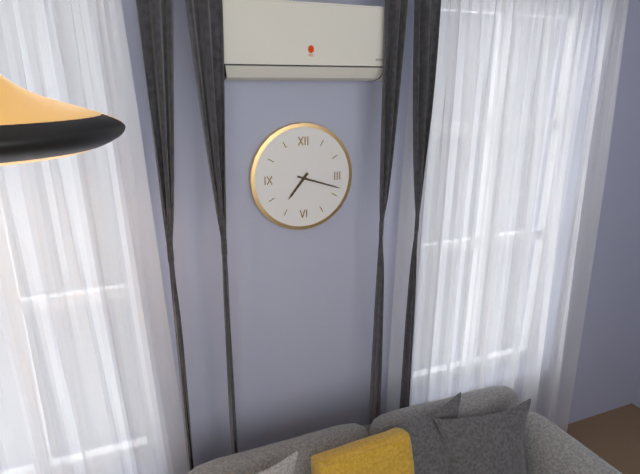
7:18
